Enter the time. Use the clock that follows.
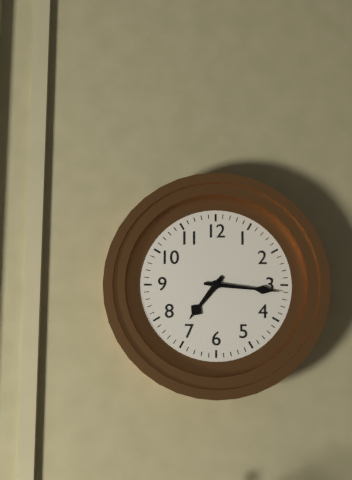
7:16
